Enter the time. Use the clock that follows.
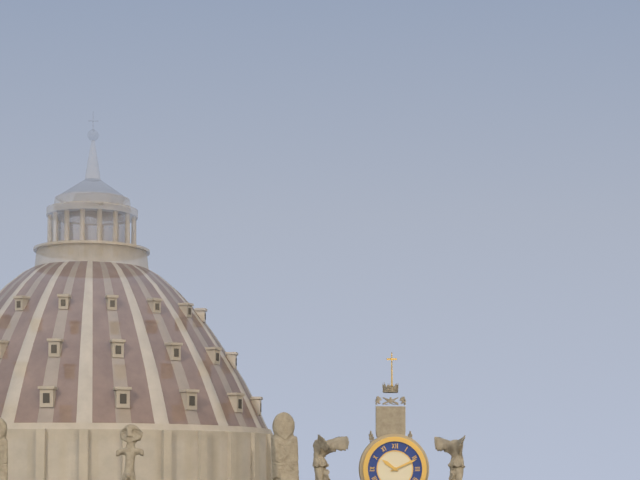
10:11
